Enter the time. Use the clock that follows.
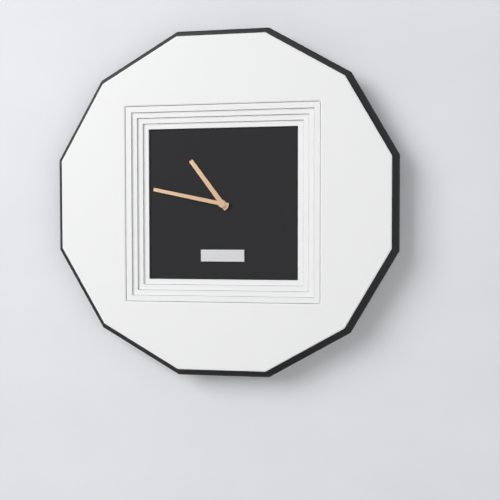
10:47
